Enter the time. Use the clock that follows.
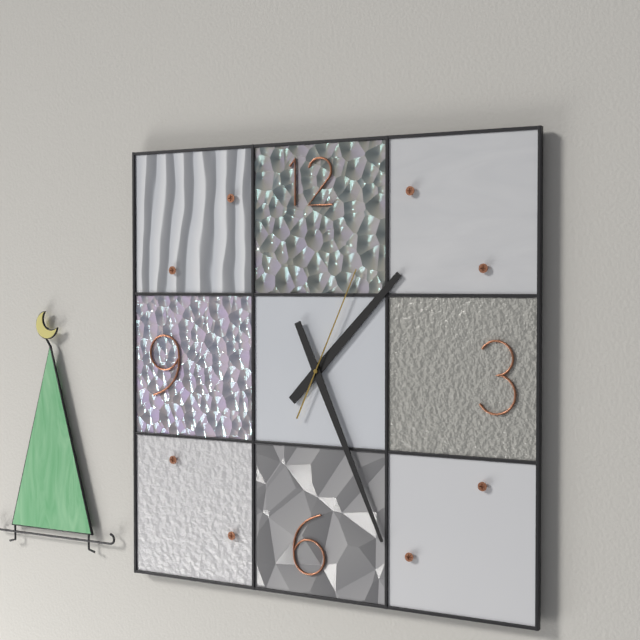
1:26:04
